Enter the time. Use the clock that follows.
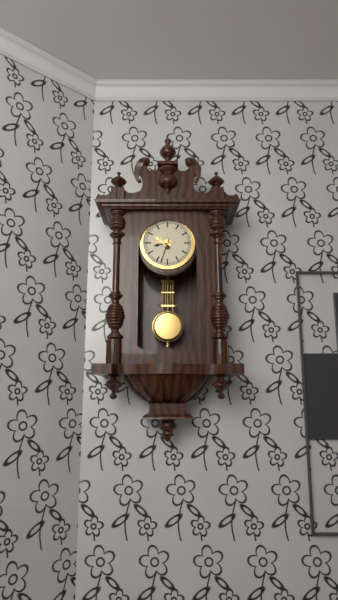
8:33
